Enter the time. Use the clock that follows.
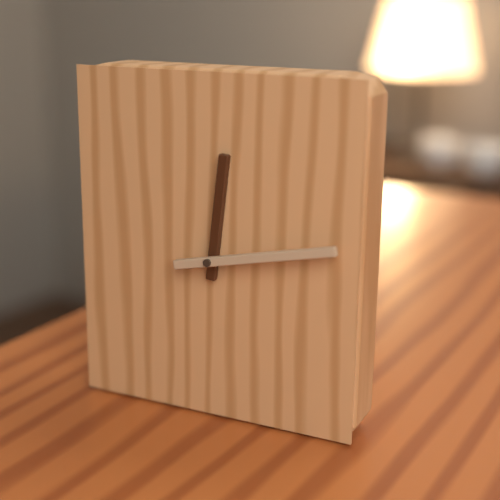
12:13
